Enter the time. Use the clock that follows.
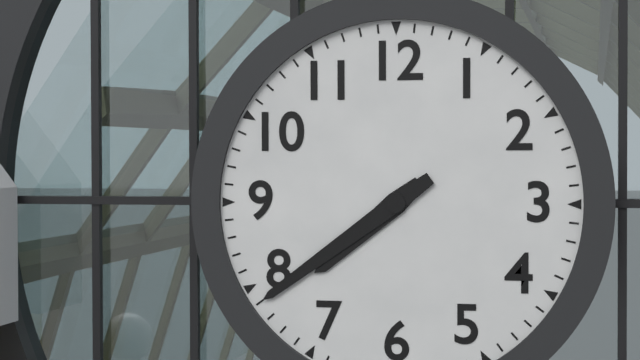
7:39
